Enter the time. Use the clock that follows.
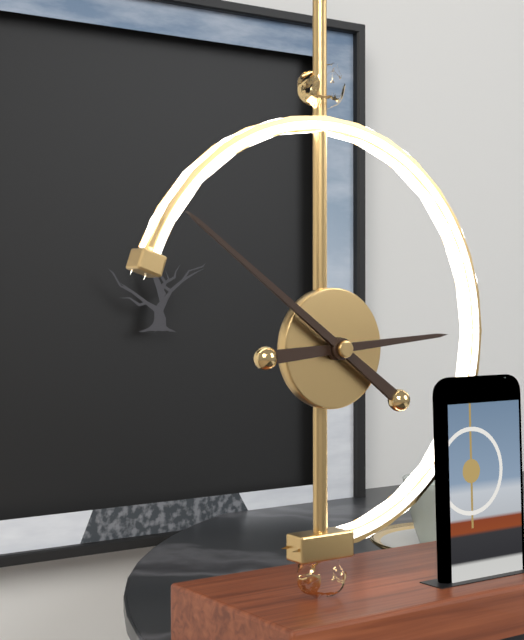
2:51
